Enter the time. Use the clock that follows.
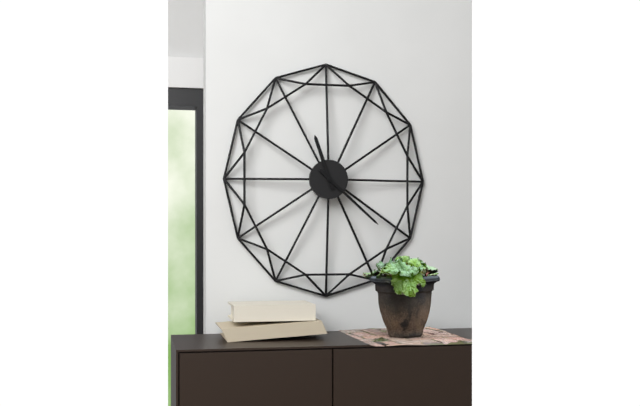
11:22
